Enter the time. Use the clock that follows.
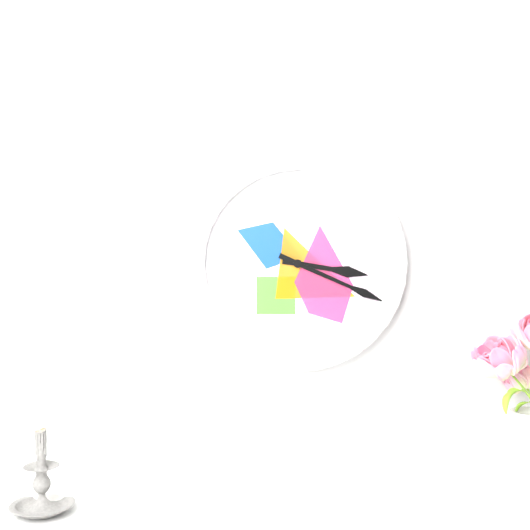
3:19
